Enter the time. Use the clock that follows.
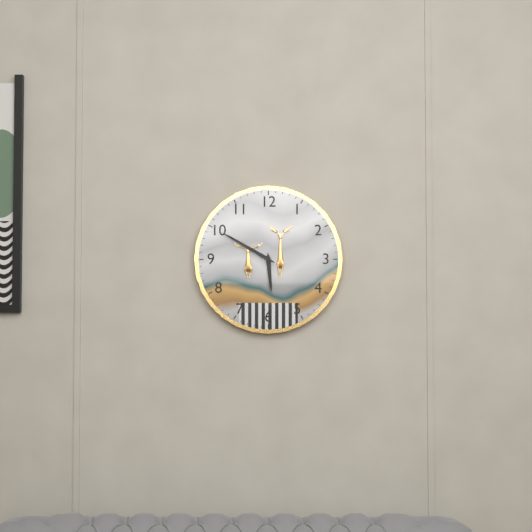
5:50
